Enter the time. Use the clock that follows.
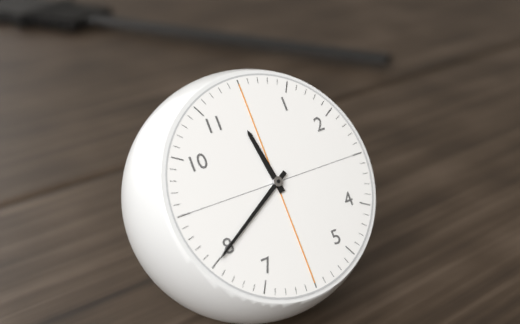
11:40
